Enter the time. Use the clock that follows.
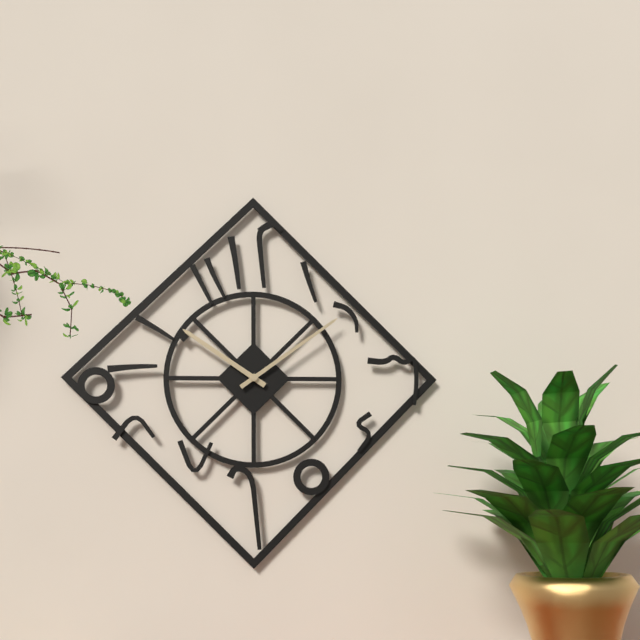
10:09
